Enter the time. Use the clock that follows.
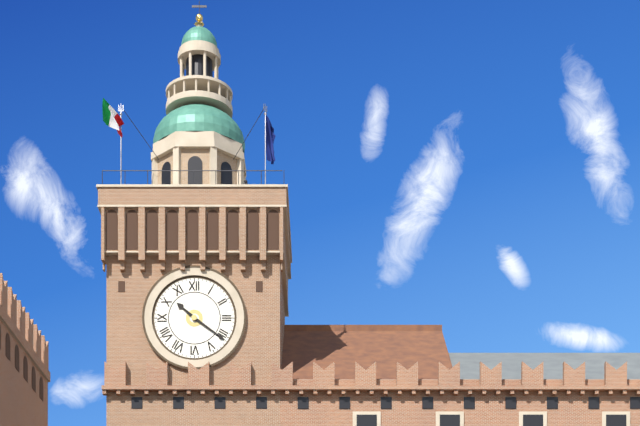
10:21
